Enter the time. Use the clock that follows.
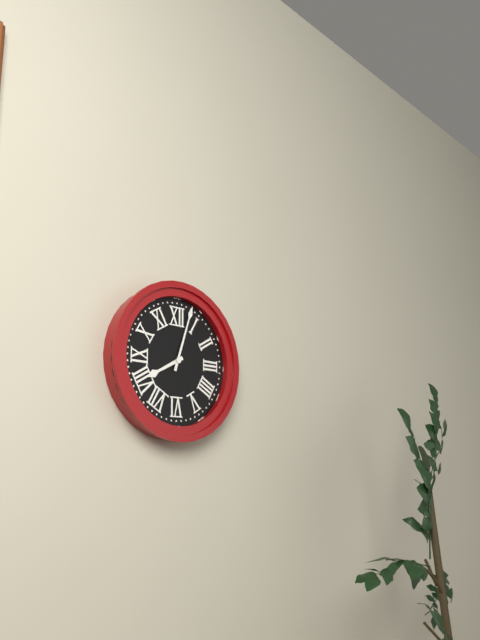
8:03
